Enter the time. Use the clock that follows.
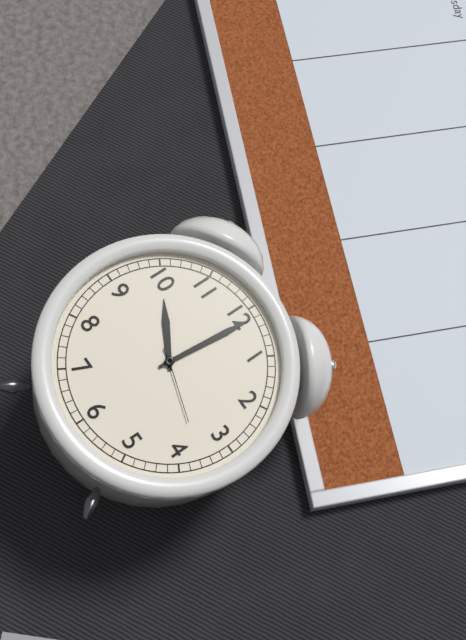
10:01:18
